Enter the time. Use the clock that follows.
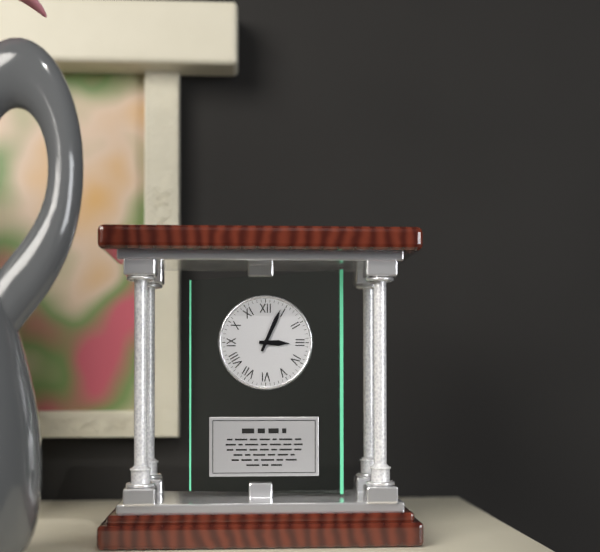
3:04
